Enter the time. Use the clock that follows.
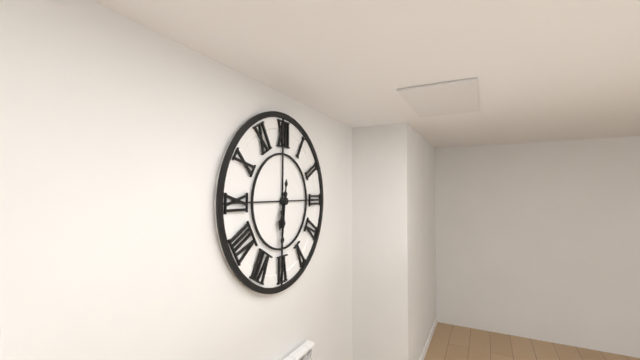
6:31
